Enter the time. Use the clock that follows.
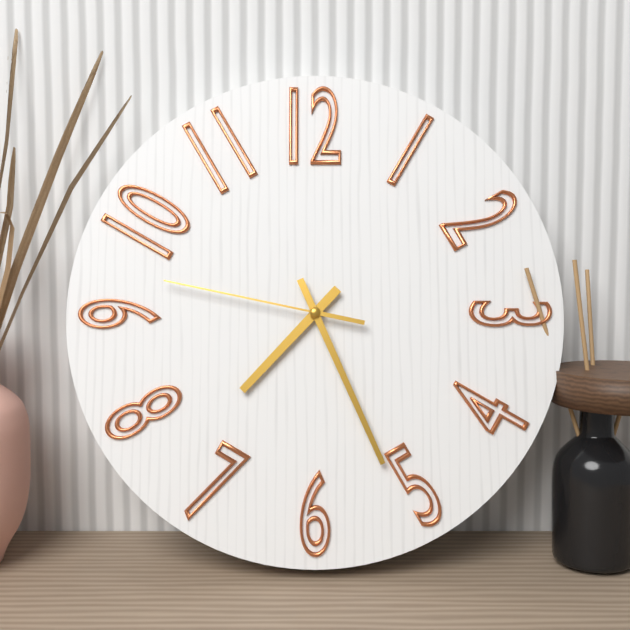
7:26:47
